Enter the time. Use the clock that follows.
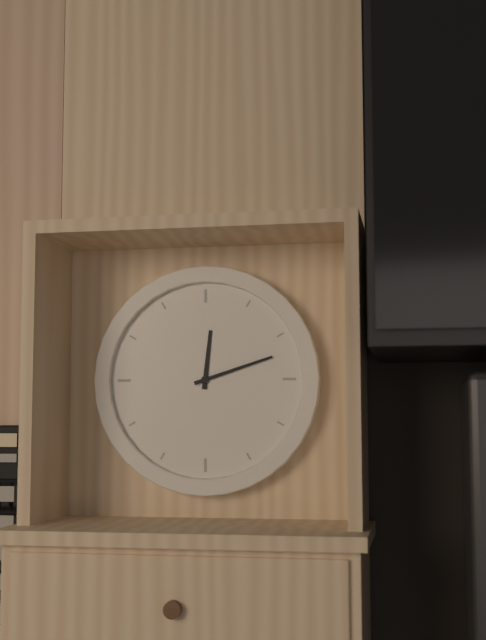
12:12
